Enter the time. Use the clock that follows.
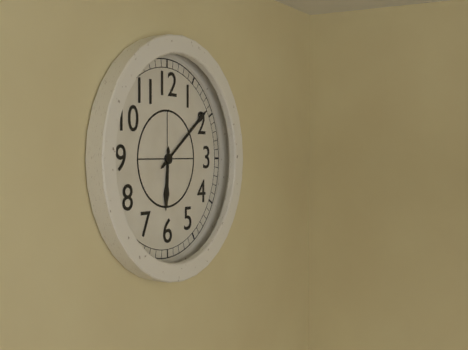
6:09
